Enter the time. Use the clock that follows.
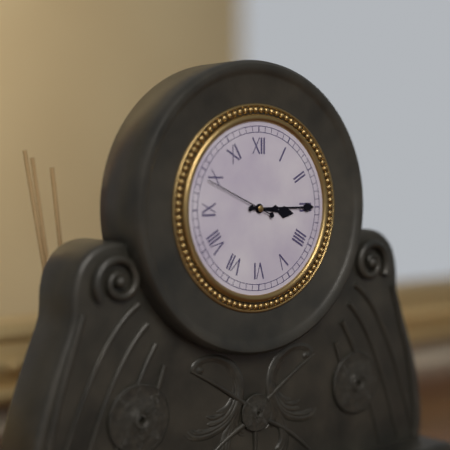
3:15:49
